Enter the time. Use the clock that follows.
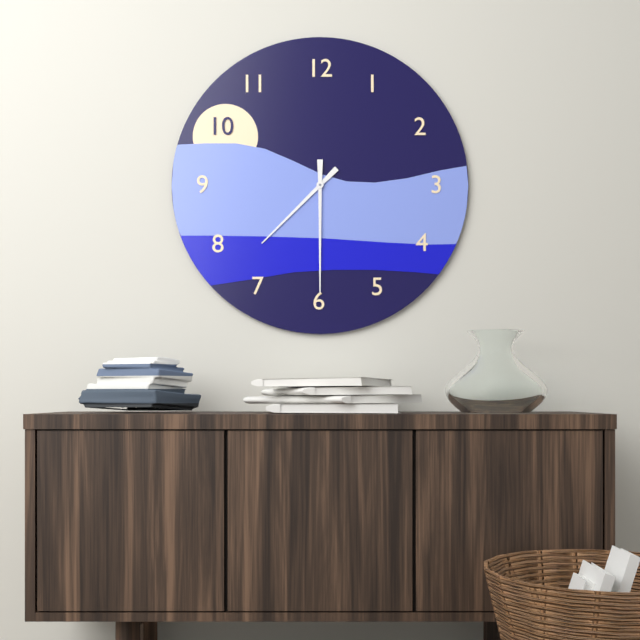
7:30
